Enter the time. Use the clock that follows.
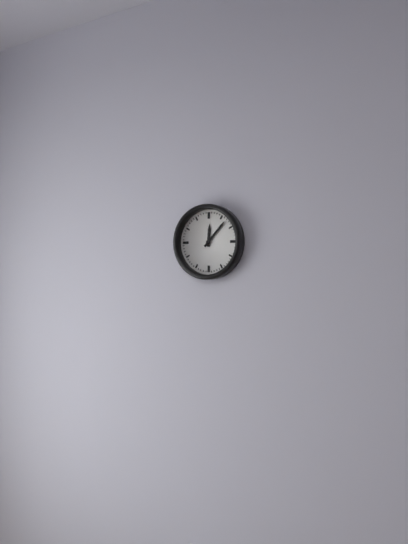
12:07
